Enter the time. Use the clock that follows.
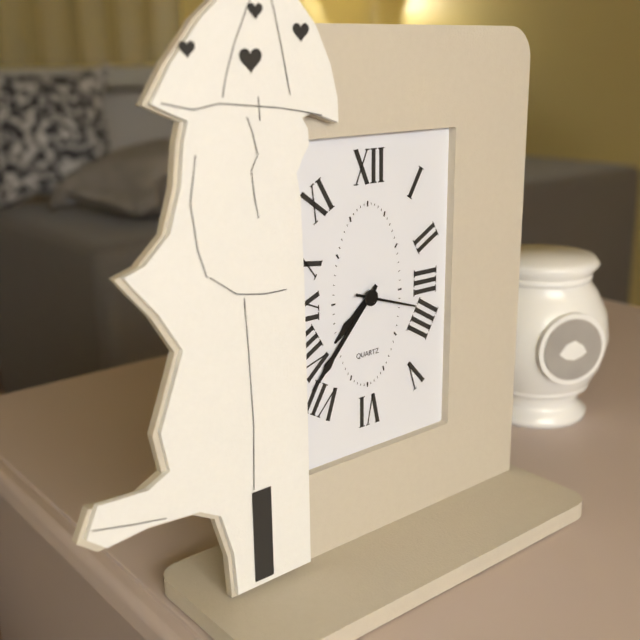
7:37:18
